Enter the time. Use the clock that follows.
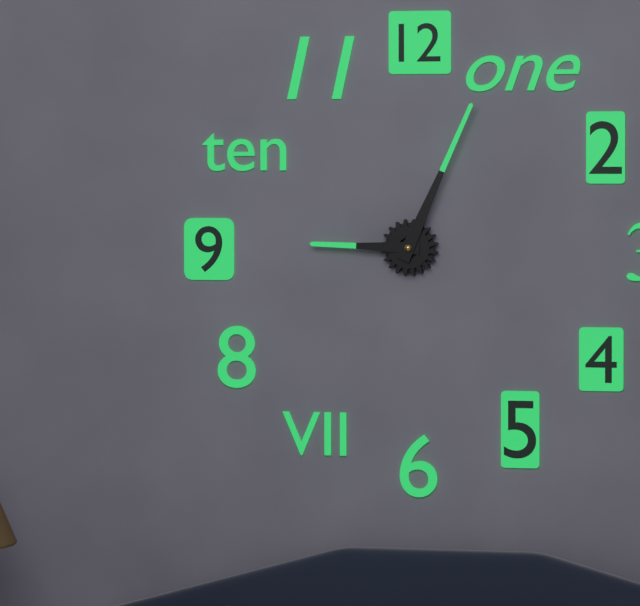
9:04
